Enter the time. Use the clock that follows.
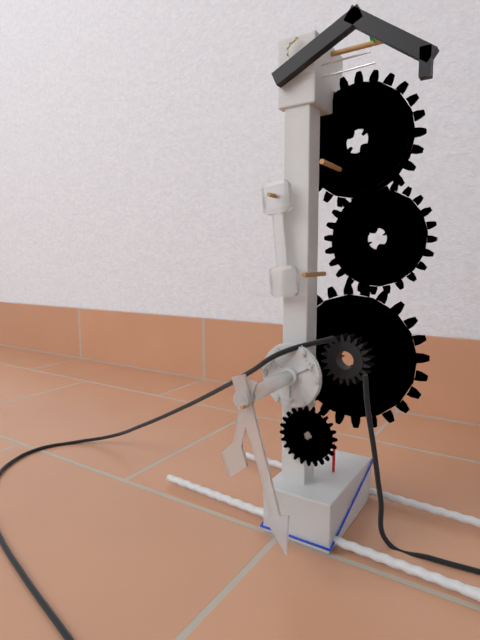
6:27
